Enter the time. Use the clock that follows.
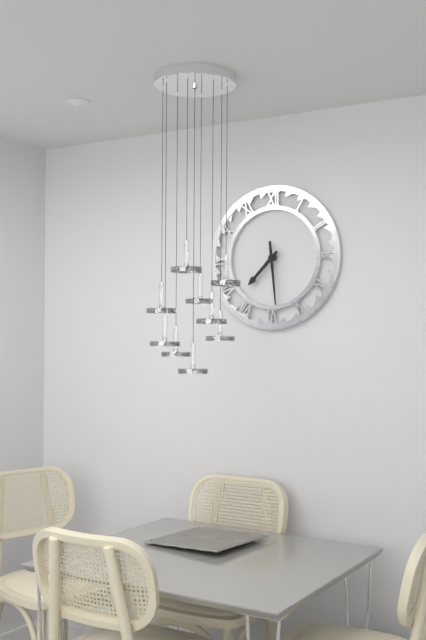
7:29
